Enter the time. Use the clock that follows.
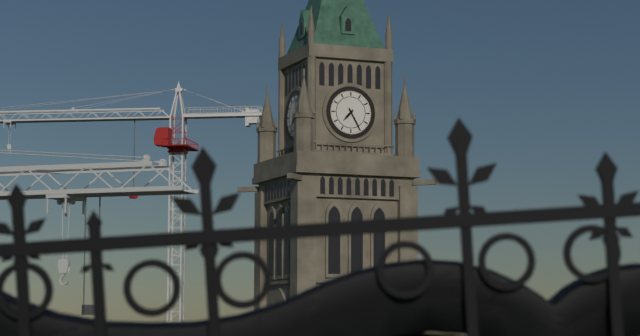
7:25
